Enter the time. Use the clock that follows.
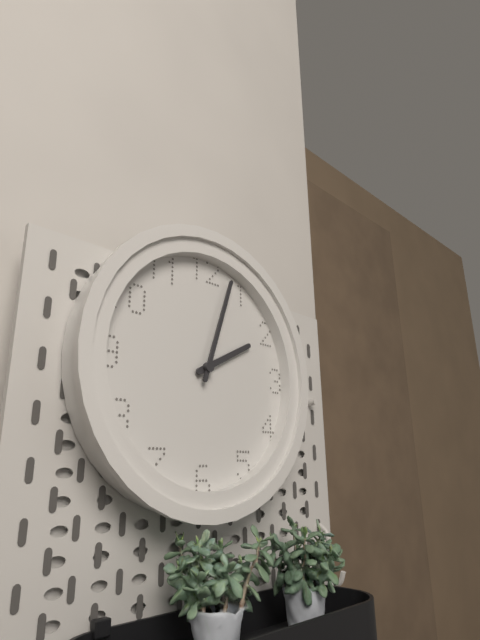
2:03
